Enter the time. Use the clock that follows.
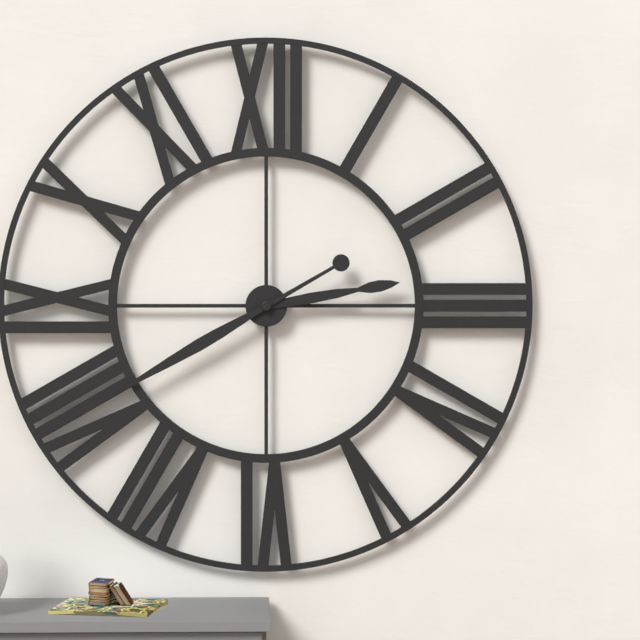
2:40
